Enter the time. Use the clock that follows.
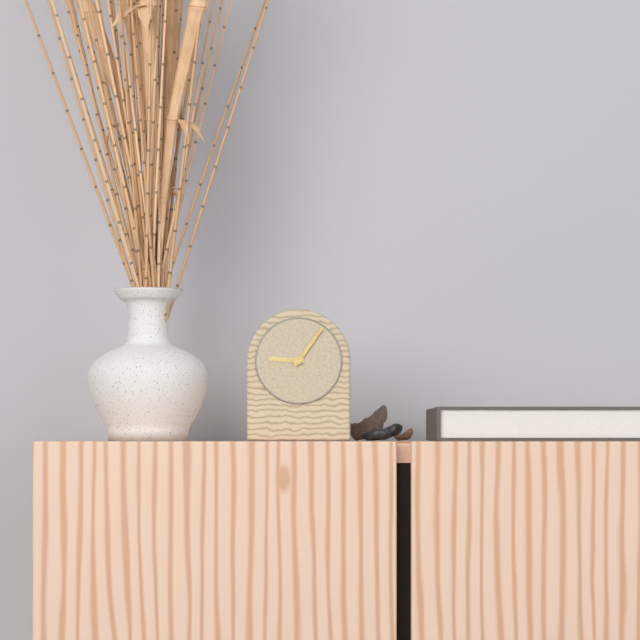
9:06
